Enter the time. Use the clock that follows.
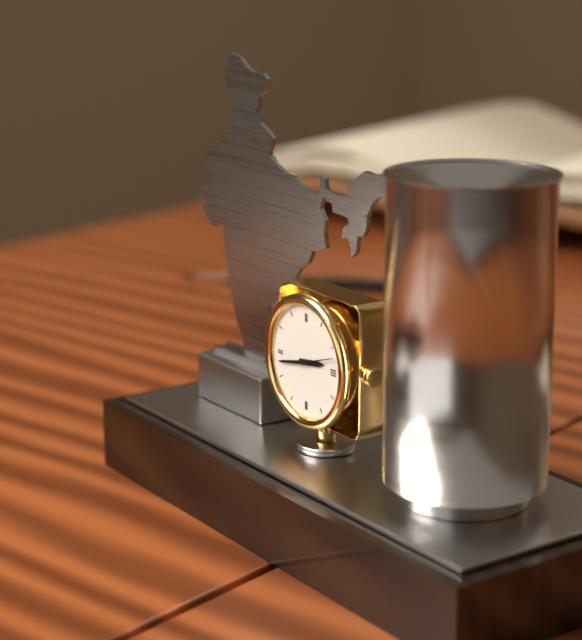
2:43
